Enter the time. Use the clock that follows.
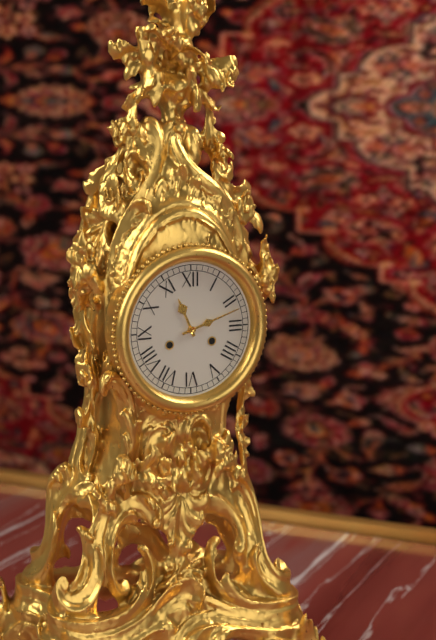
11:12
